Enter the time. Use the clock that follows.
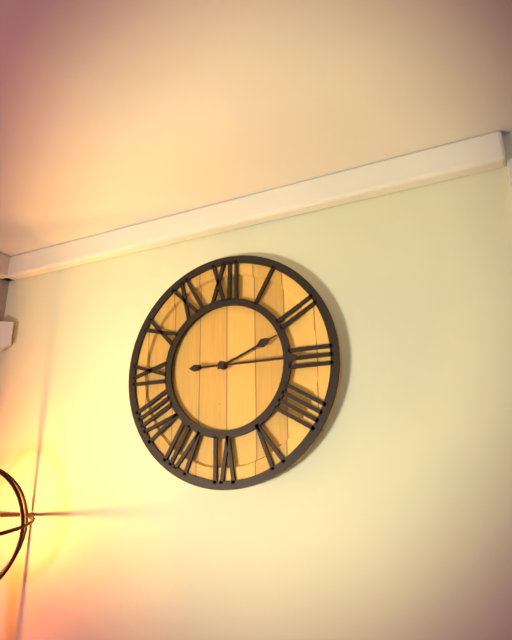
2:15
